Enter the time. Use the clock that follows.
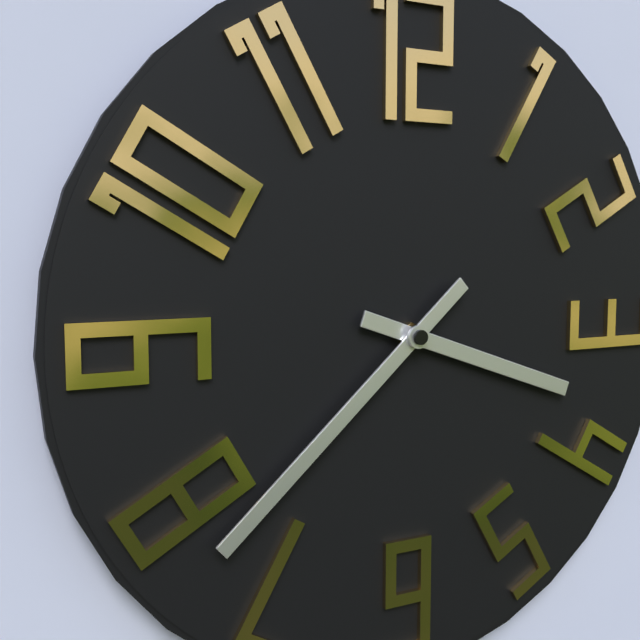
3:38
